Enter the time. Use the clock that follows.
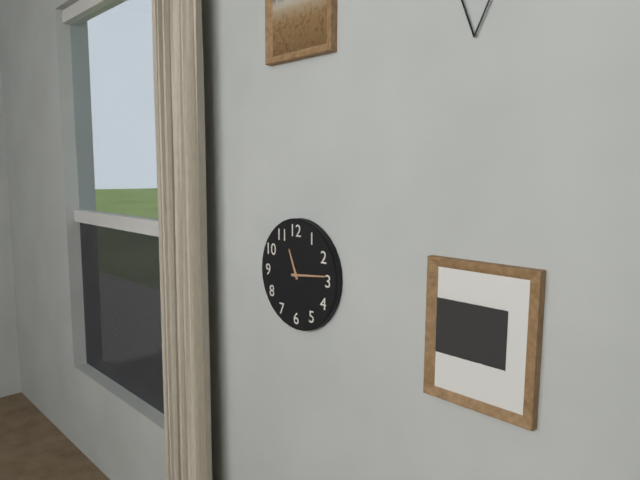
11:14
